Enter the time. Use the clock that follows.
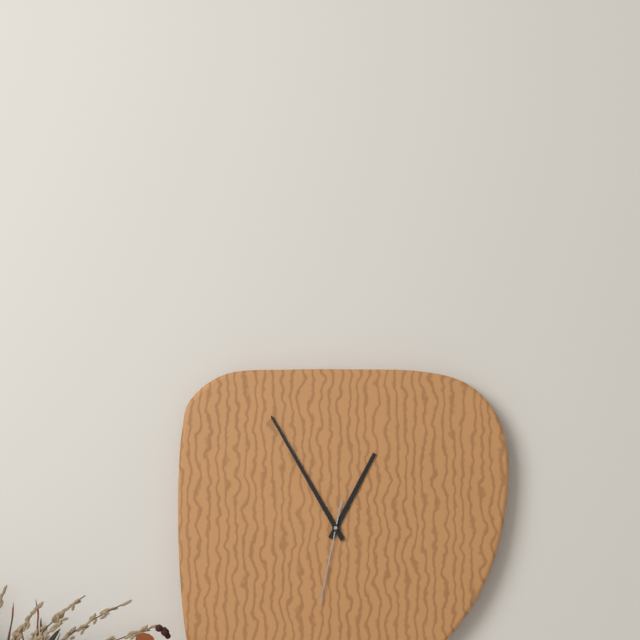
12:55:32
